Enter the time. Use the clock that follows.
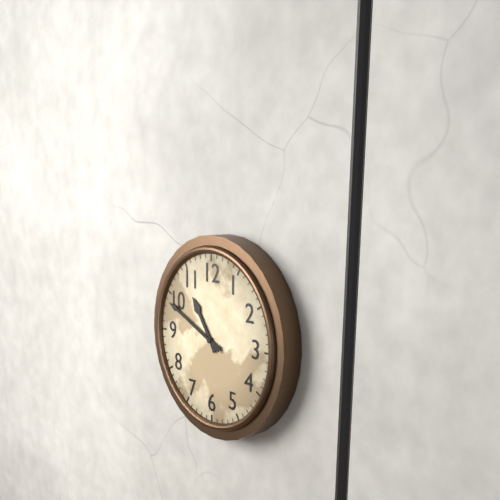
10:49
